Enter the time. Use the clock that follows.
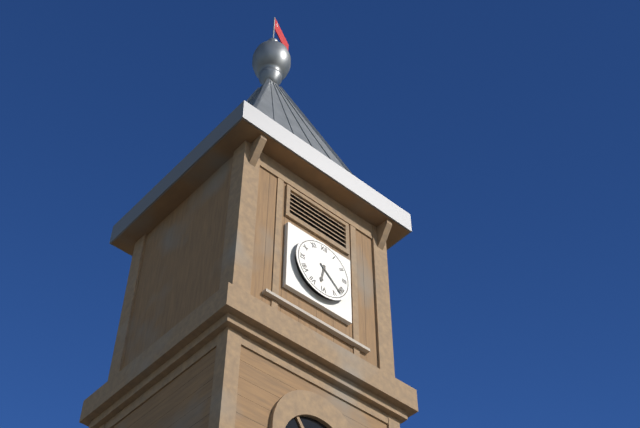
6:22
